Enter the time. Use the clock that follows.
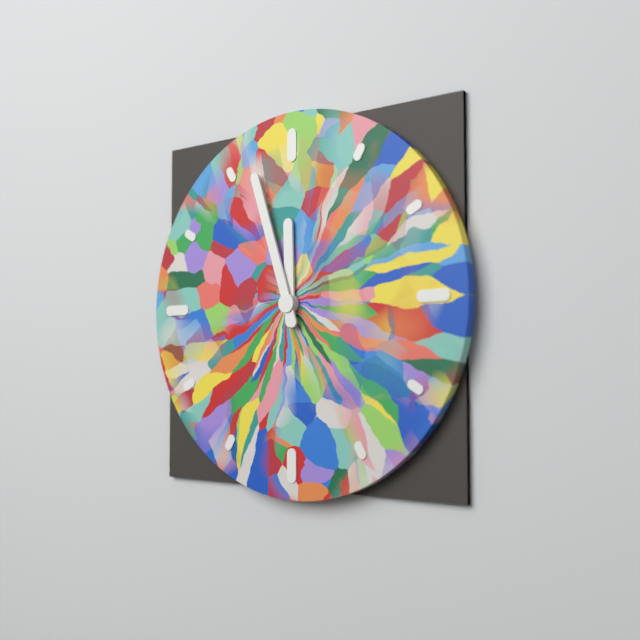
11:57
